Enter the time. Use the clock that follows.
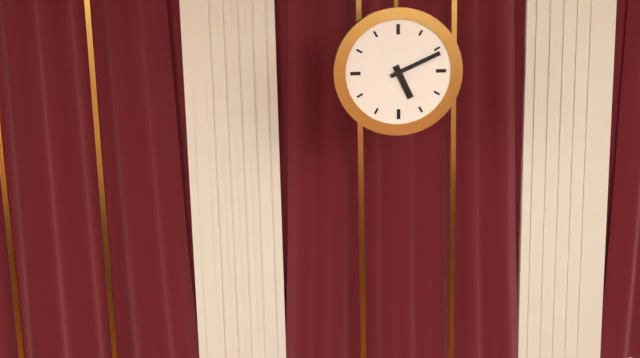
5:11
